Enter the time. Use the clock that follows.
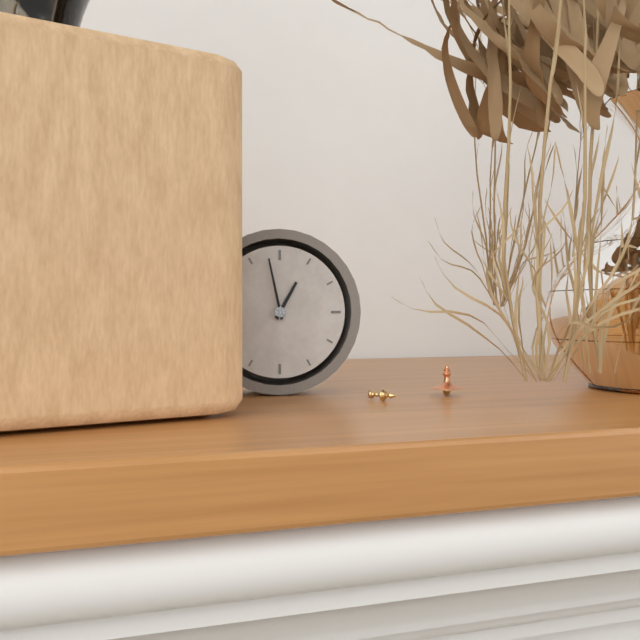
12:58
